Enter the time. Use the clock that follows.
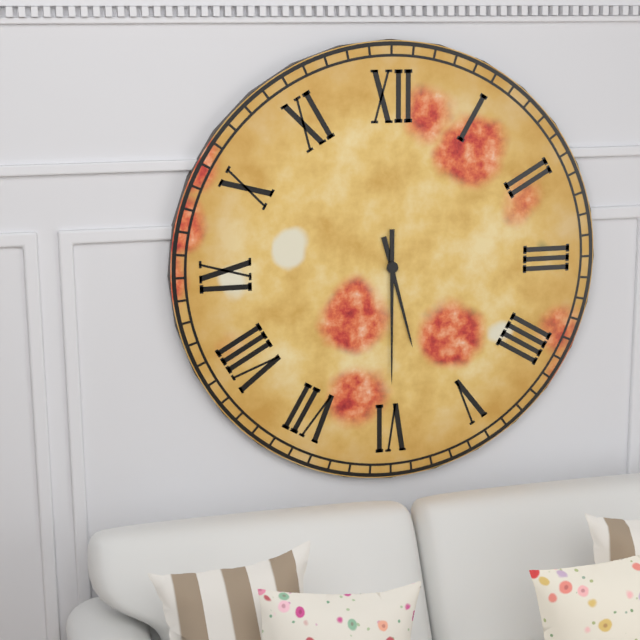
5:30
